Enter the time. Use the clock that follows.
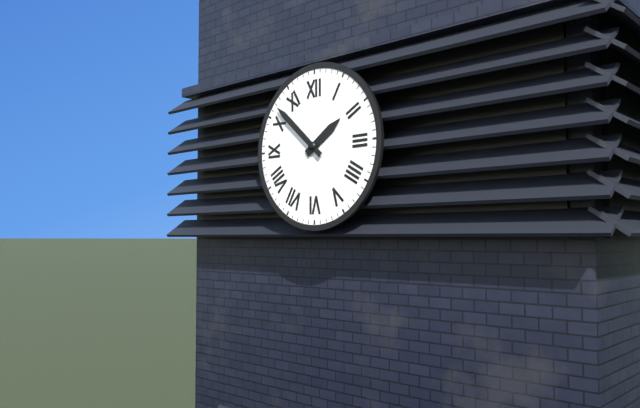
1:52
